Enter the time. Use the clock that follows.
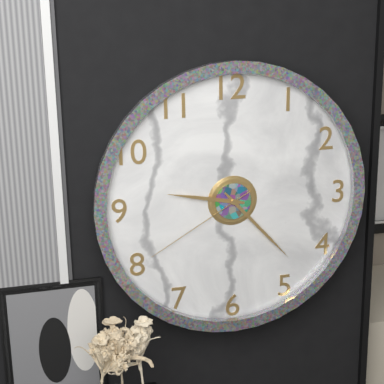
9:23:40
